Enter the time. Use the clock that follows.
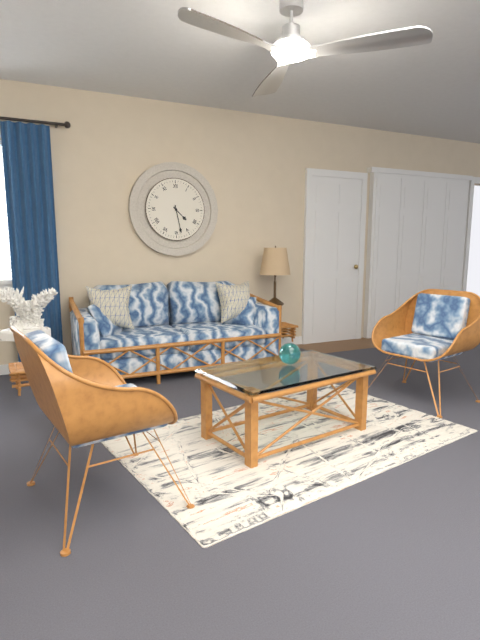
4:28
